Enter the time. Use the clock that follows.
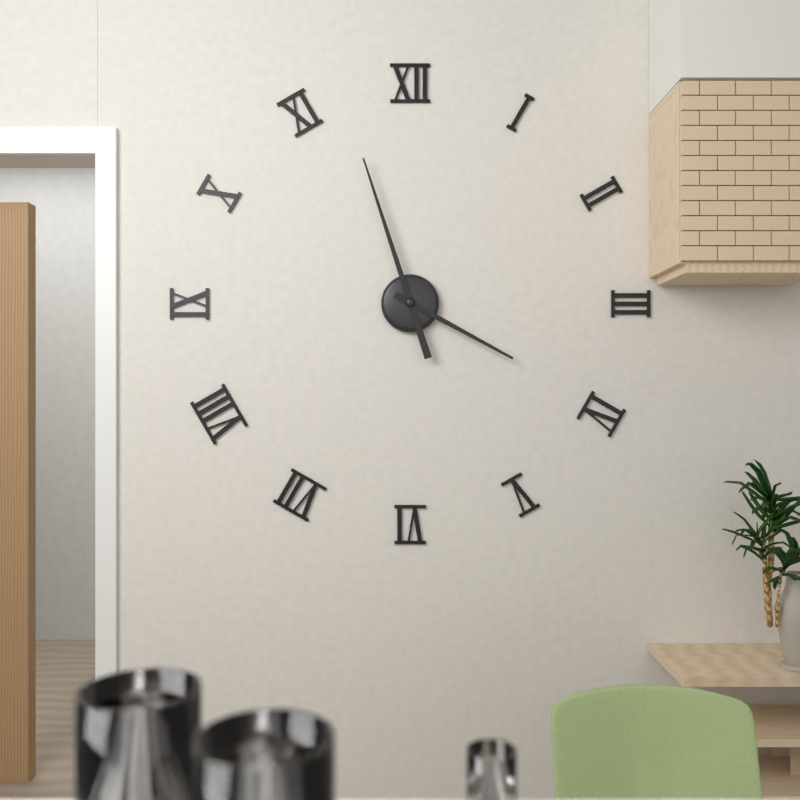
3:57
